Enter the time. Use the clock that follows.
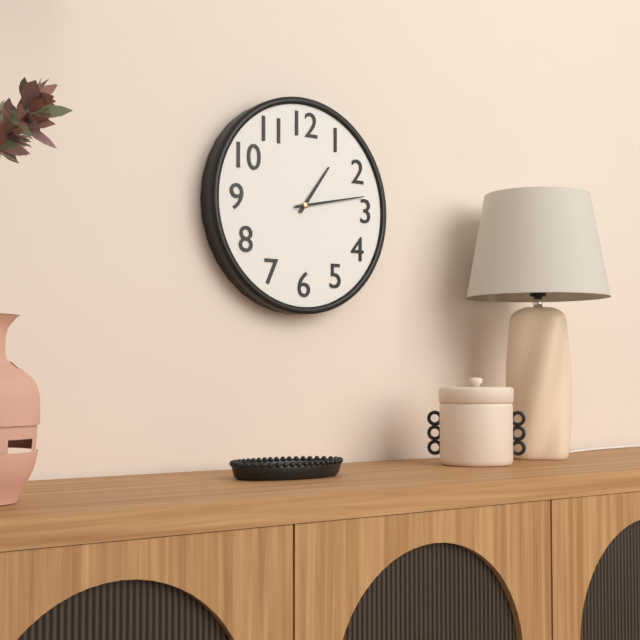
1:13
